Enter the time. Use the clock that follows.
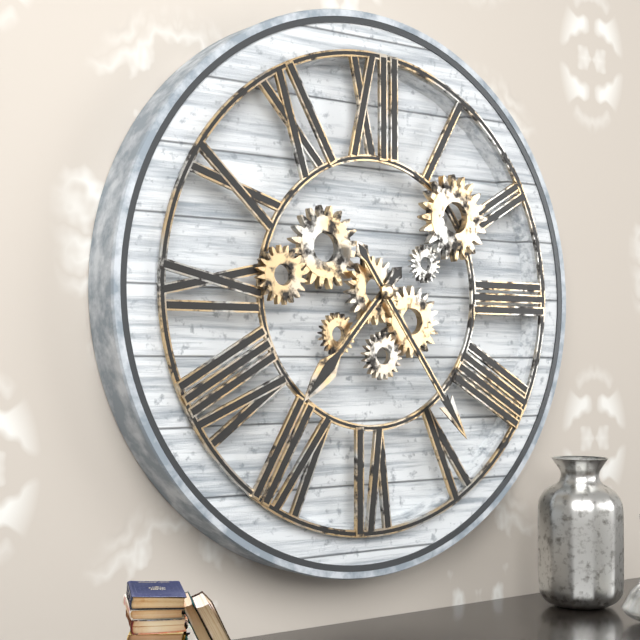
7:24
